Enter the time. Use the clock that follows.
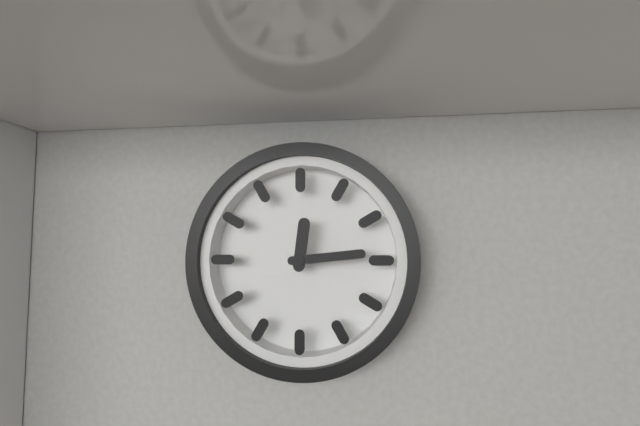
12:14
